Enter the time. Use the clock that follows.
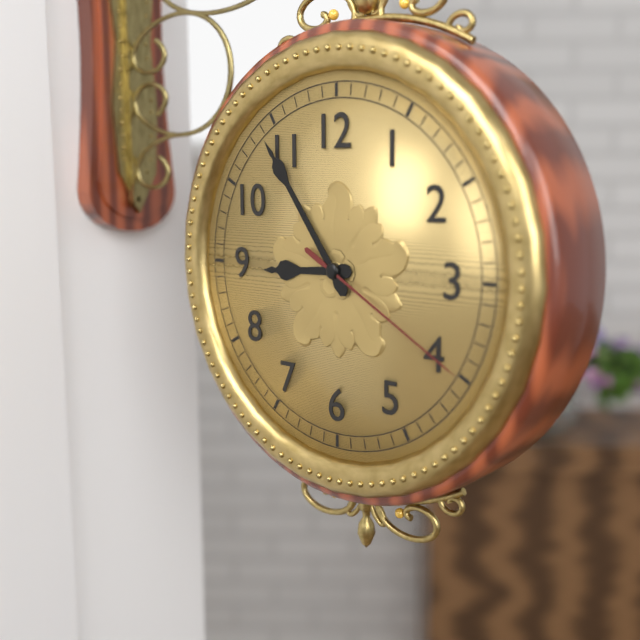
8:54:20
